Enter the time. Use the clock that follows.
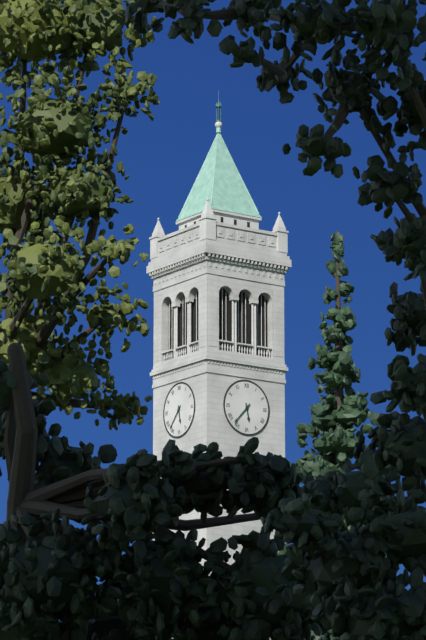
5:37
